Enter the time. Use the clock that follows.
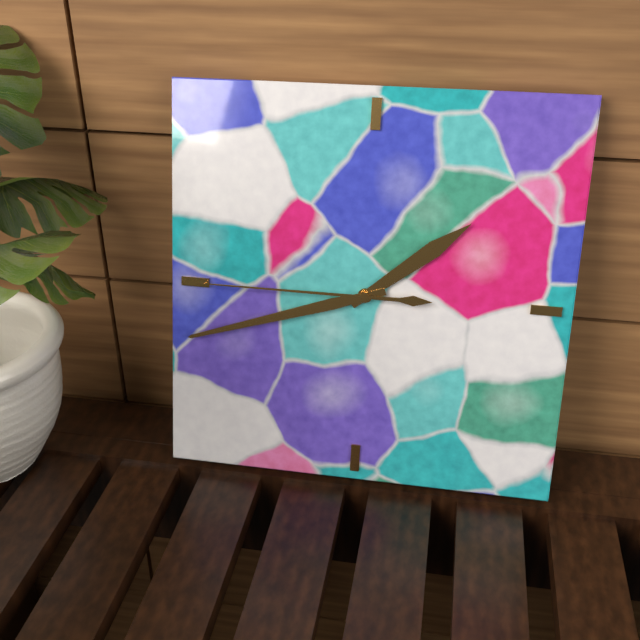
1:42:45
